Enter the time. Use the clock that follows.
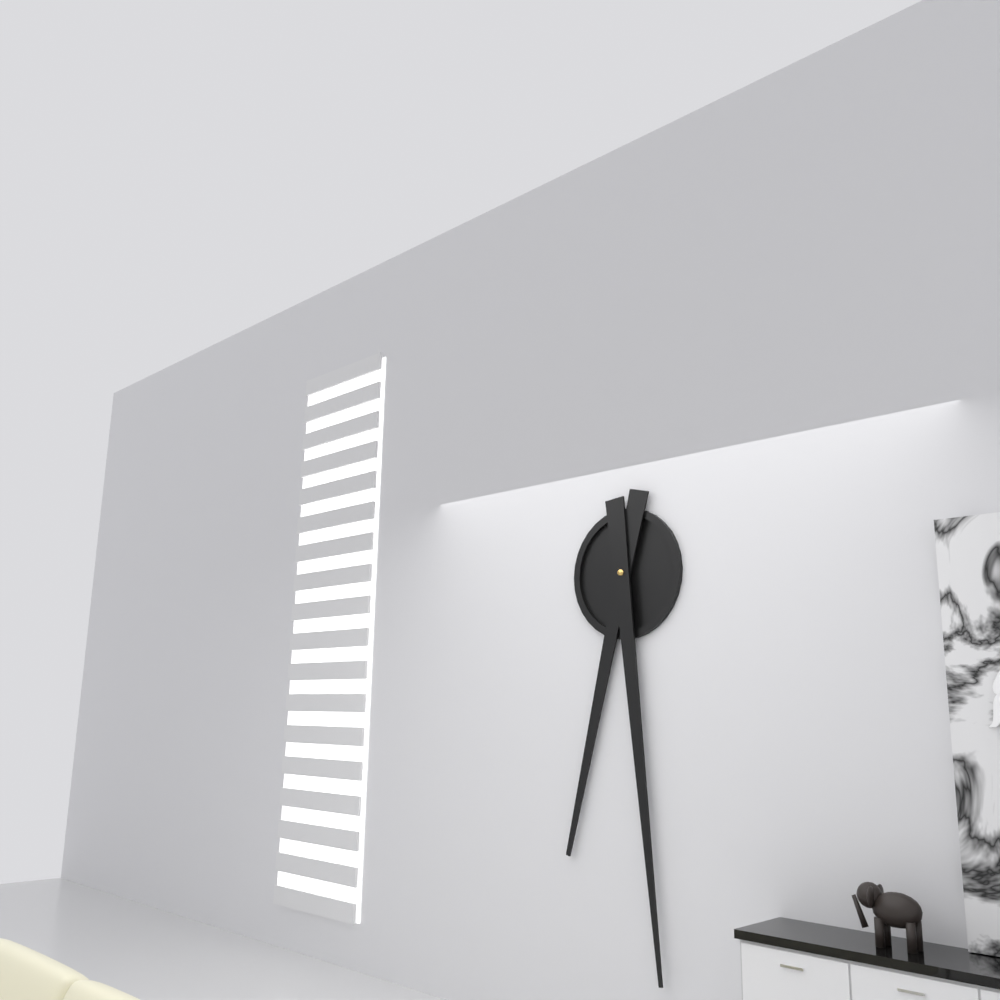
6:29
